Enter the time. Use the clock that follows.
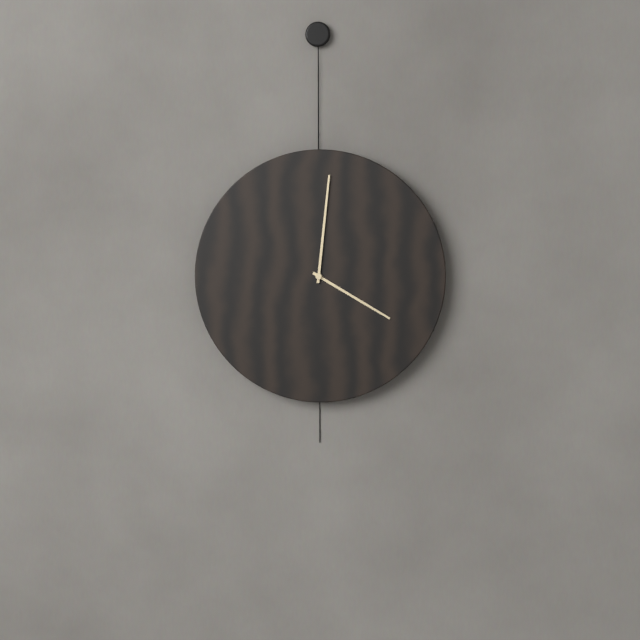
4:01
